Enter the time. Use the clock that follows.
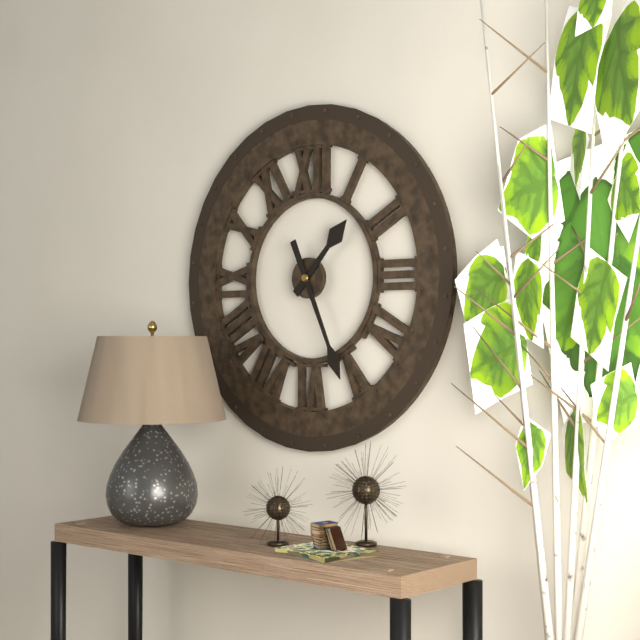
1:26
